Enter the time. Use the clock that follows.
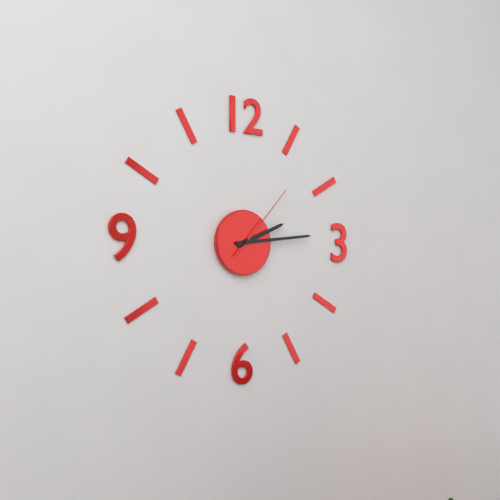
2:14:07
